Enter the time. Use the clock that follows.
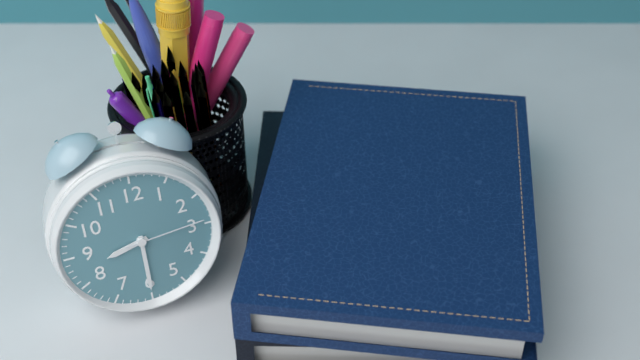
8:30:14
